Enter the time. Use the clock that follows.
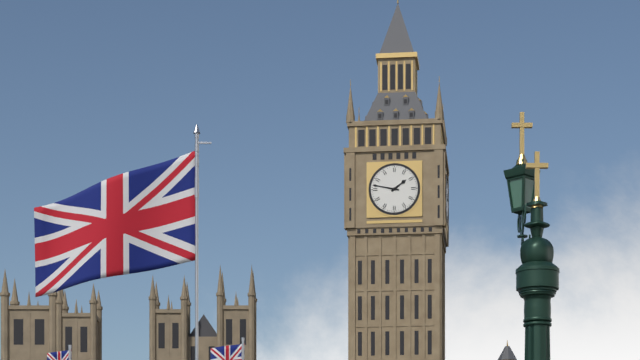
1:47
